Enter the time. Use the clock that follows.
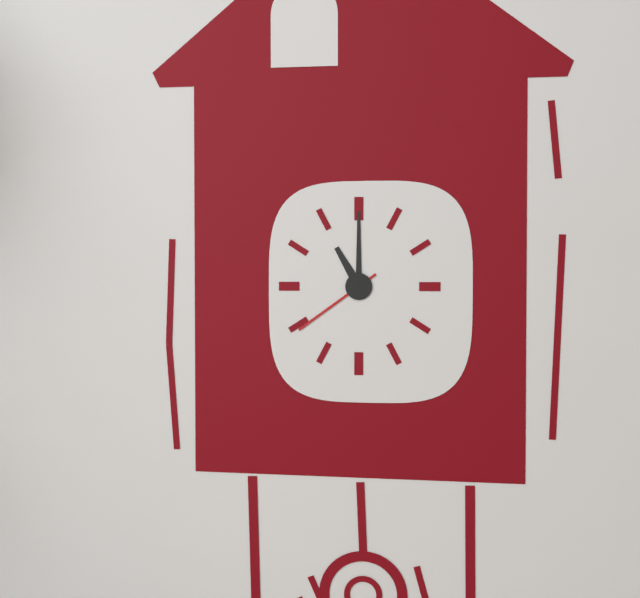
11:00:39
